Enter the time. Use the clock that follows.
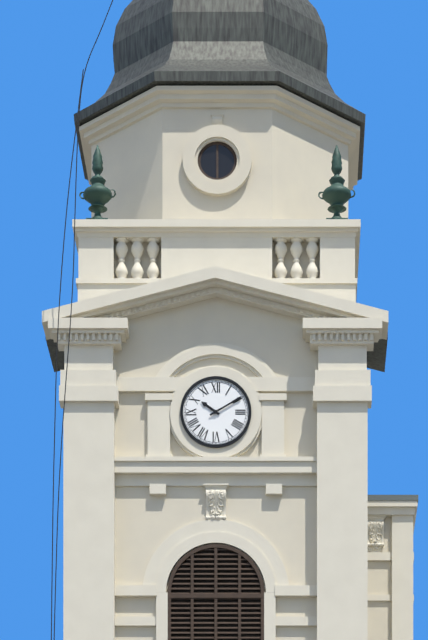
10:10
